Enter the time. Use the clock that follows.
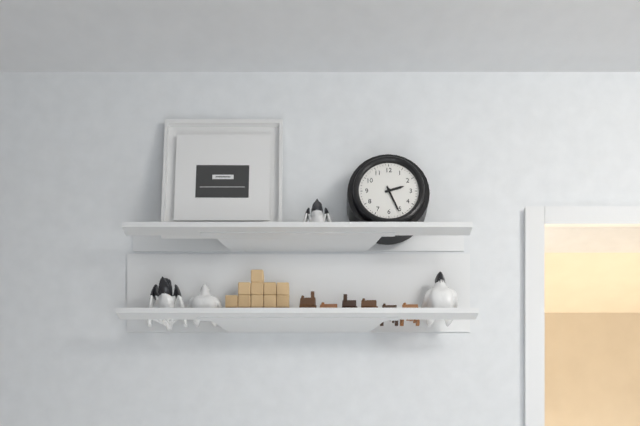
2:26
